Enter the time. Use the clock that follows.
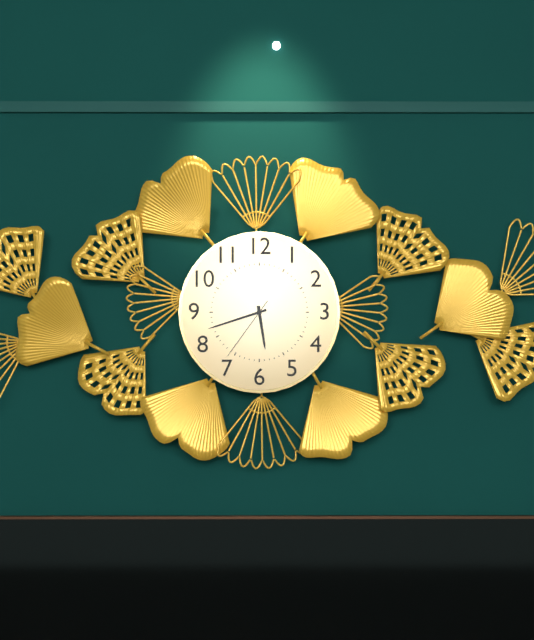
5:42:36
